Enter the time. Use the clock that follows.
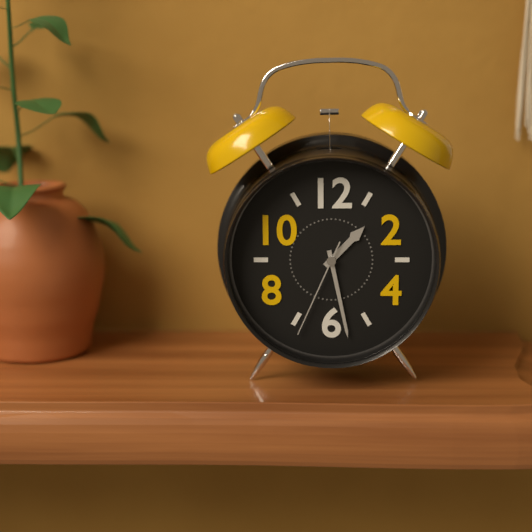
1:28:34
